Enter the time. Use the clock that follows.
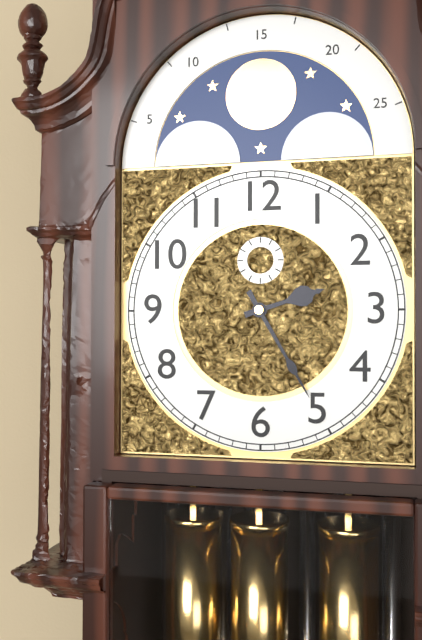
2:25
